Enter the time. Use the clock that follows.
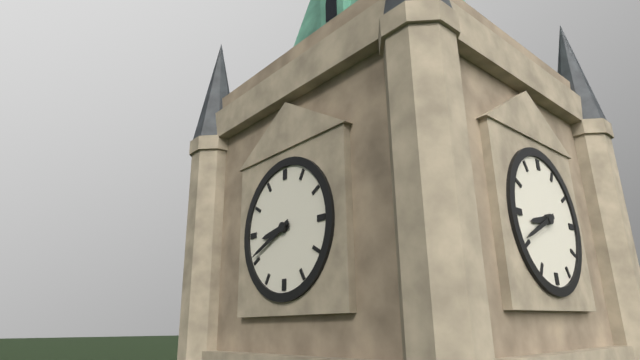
8:41
